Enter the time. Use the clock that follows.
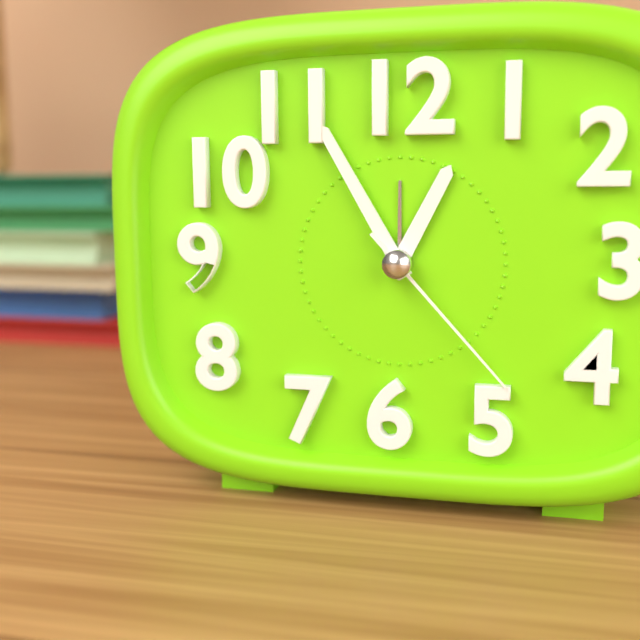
12:55:23
